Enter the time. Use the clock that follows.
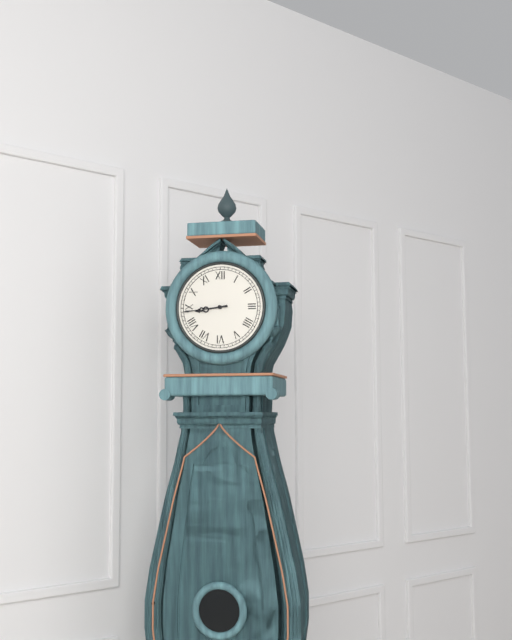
8:44
